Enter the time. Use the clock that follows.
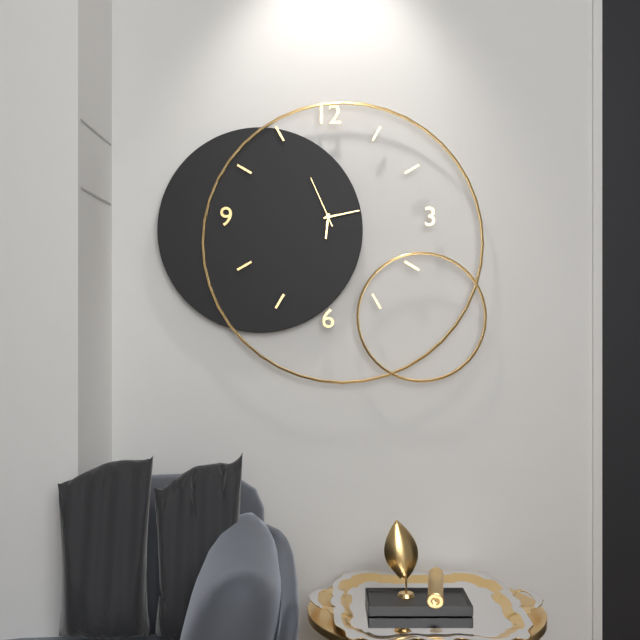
6:13:56
